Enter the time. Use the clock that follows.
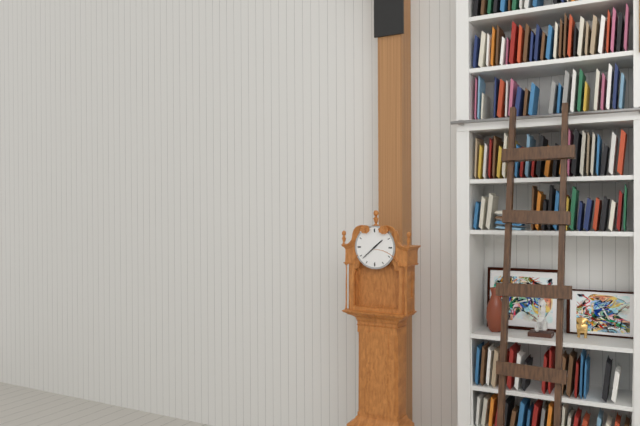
1:38
